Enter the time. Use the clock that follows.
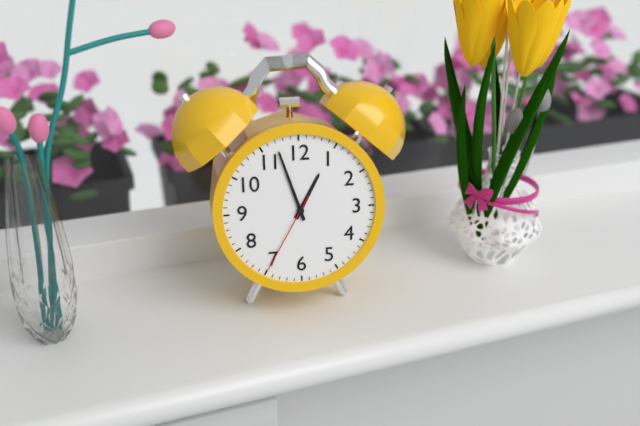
12:57:35
